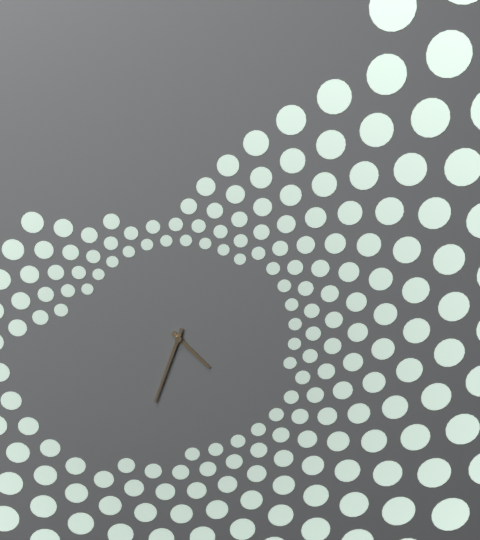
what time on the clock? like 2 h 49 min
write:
4 h 33 min
